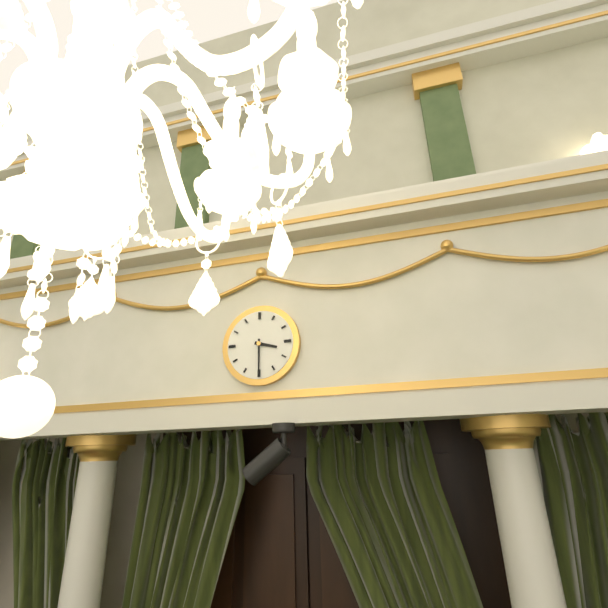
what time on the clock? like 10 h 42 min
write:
3 h 30 min
